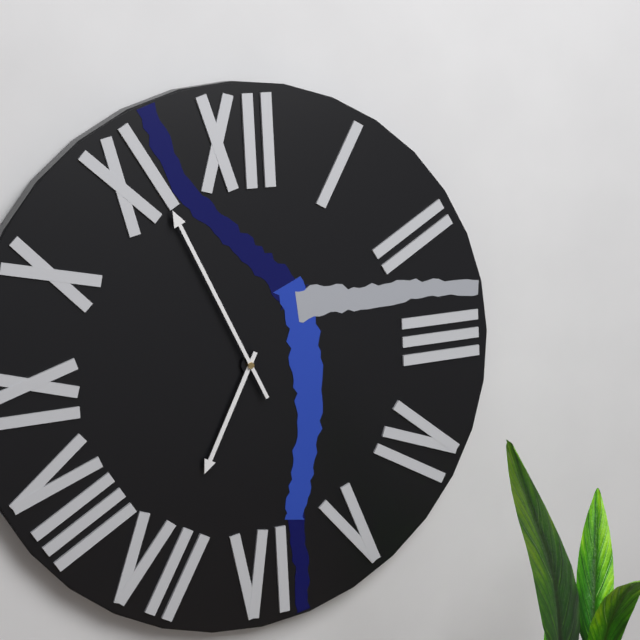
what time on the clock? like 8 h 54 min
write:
6 h 56 min
